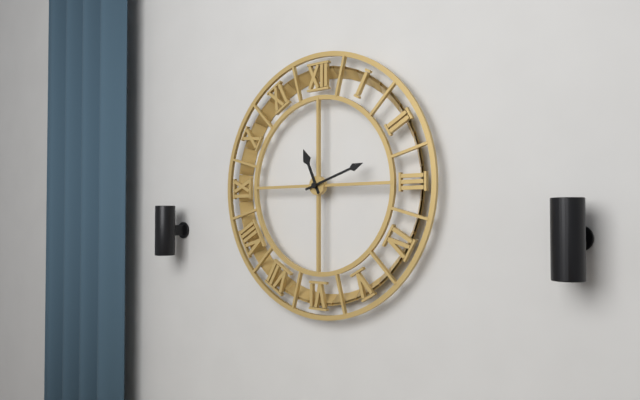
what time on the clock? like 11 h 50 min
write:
11 h 12 min
